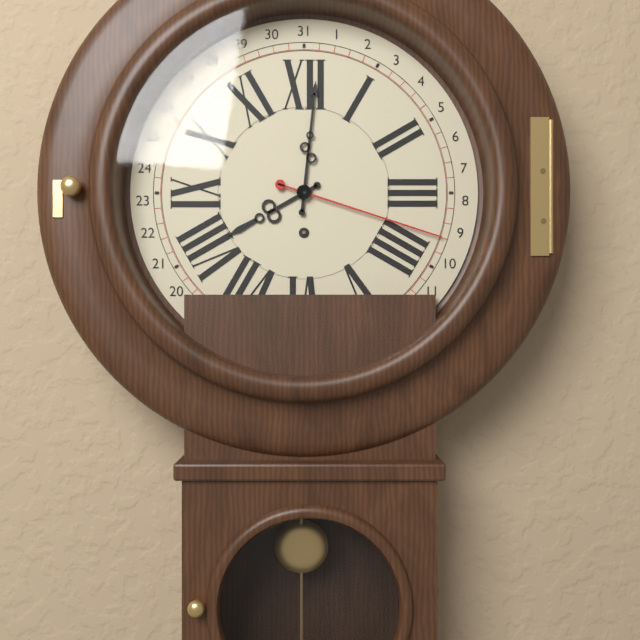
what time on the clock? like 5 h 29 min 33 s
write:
8 h 01 min 18 s
